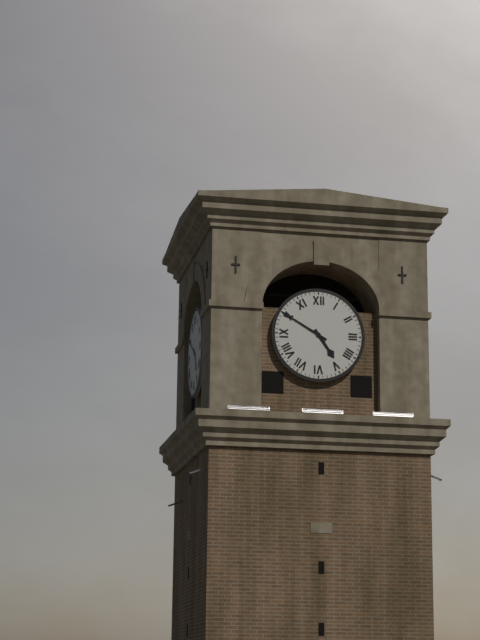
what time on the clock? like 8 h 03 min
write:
4 h 50 min
